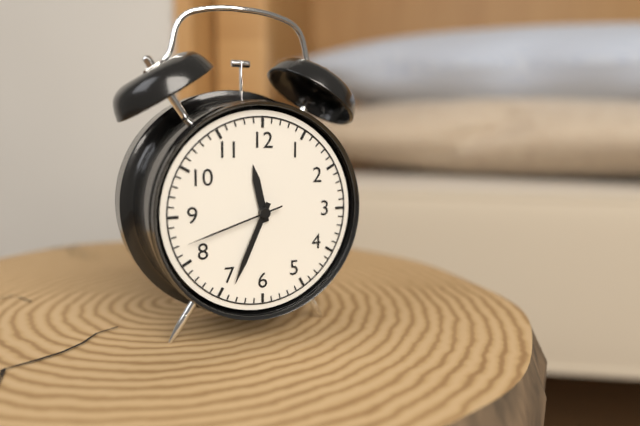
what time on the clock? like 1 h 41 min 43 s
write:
11 h 34 min 42 s
